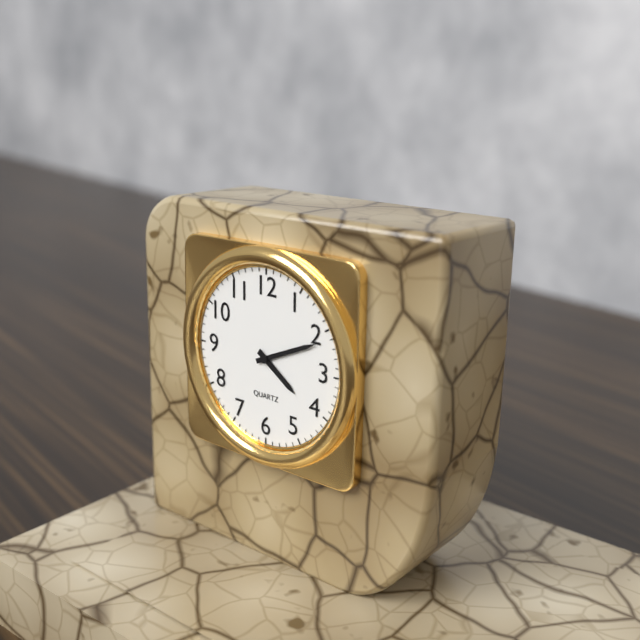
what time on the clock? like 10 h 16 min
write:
4 h 11 min
